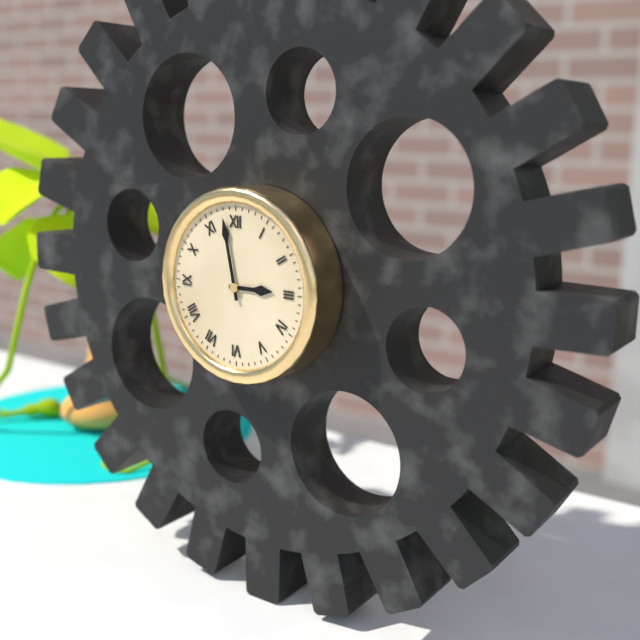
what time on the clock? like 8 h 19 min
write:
2 h 58 min
